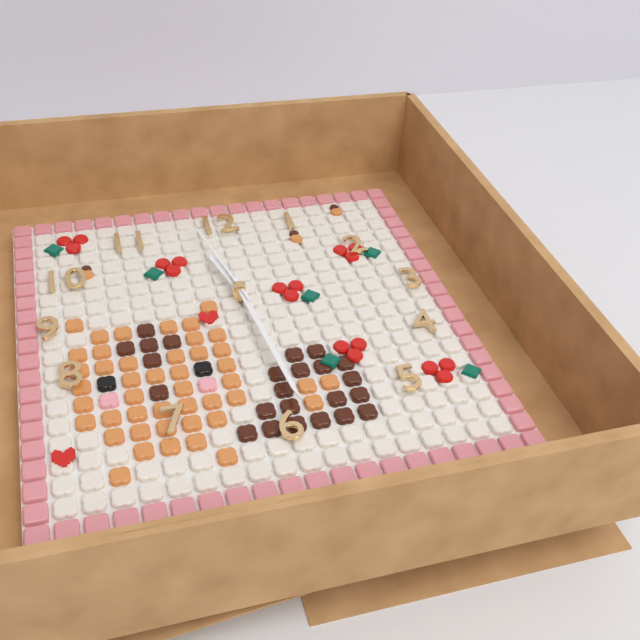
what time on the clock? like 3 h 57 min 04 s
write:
11 h 29 min 58 s
